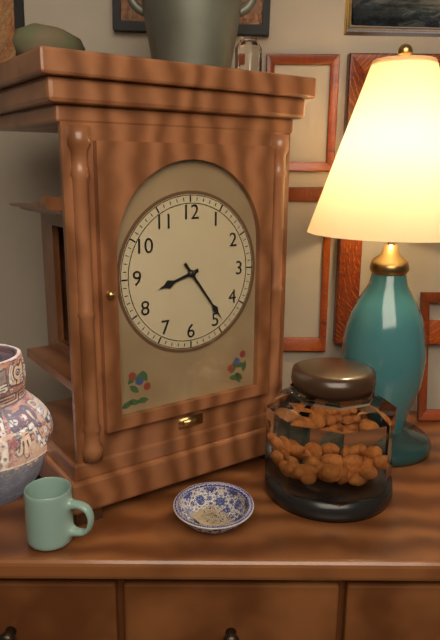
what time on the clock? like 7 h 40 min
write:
8 h 24 min
